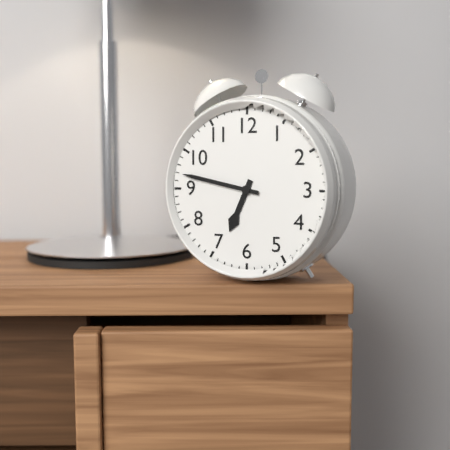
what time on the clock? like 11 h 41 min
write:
6 h 47 min
